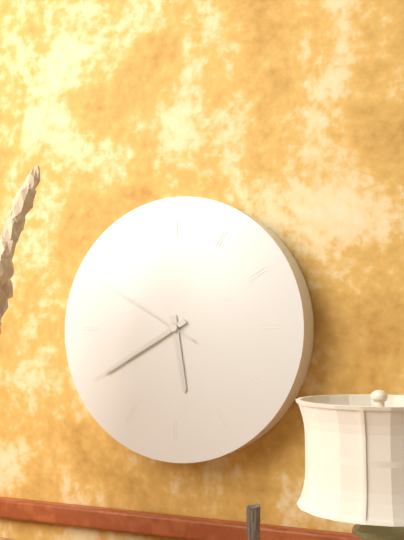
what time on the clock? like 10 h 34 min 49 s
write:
5 h 40 min 50 s
